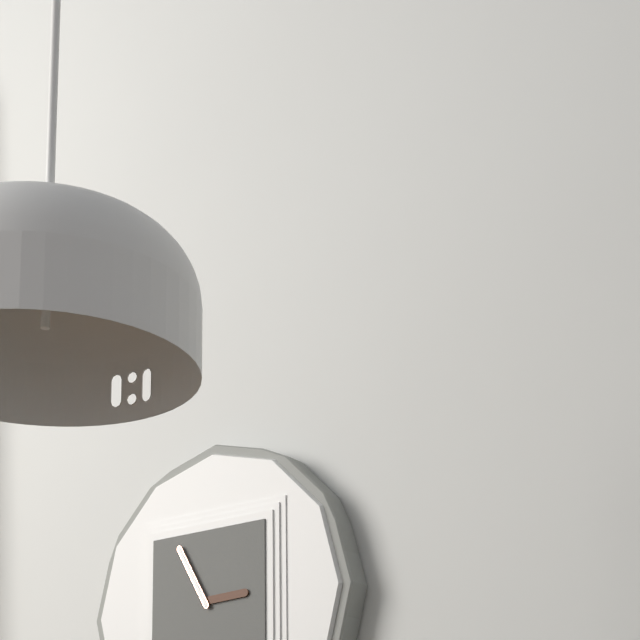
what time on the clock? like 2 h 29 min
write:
2 h 55 min
